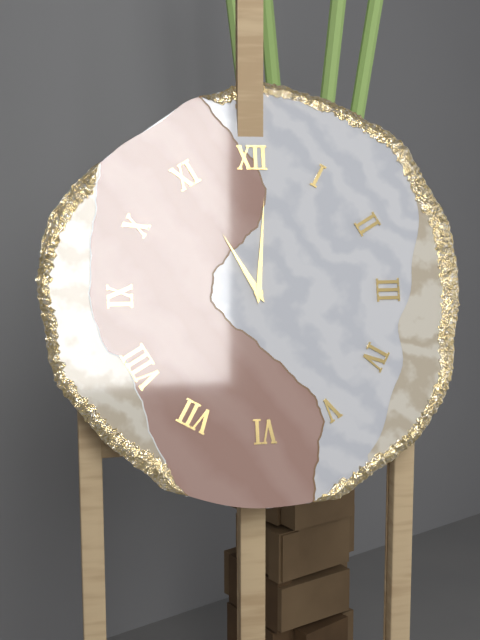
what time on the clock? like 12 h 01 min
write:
11 h 01 min
